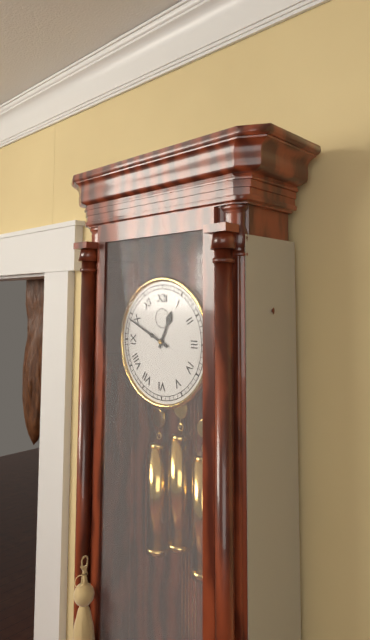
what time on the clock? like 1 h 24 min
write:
12 h 49 min
